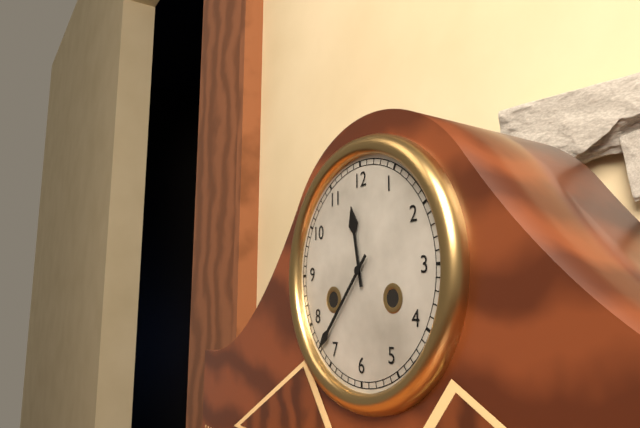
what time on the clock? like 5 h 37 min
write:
11 h 37 min
